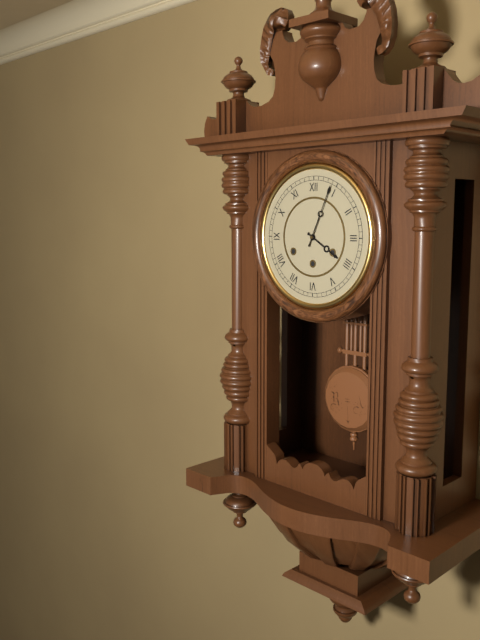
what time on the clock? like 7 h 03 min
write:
4 h 04 min
